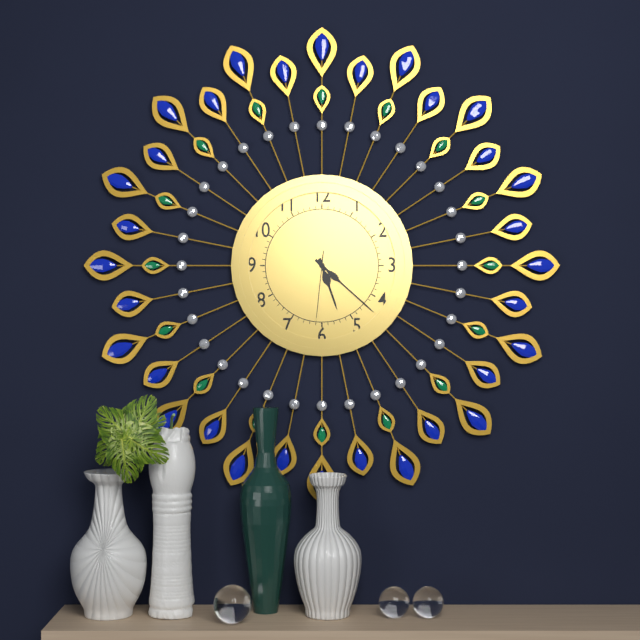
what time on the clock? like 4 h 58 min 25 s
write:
5 h 22 min 31 s
